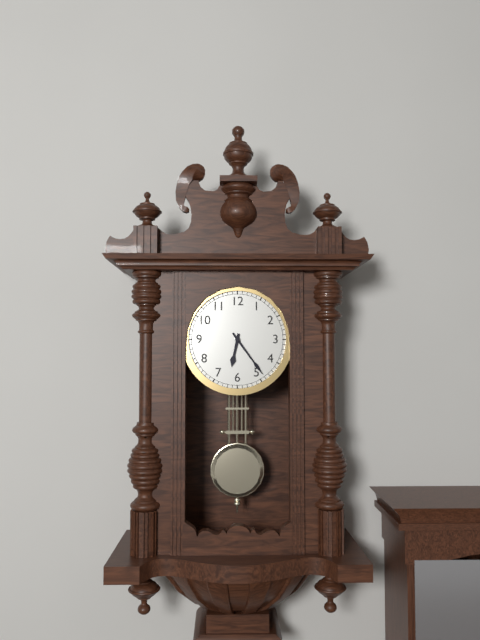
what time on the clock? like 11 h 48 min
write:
6 h 24 min
